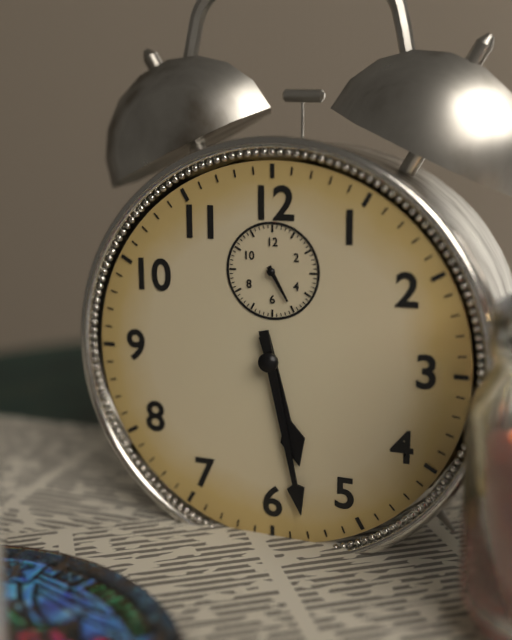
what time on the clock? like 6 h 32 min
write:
5 h 28 min
